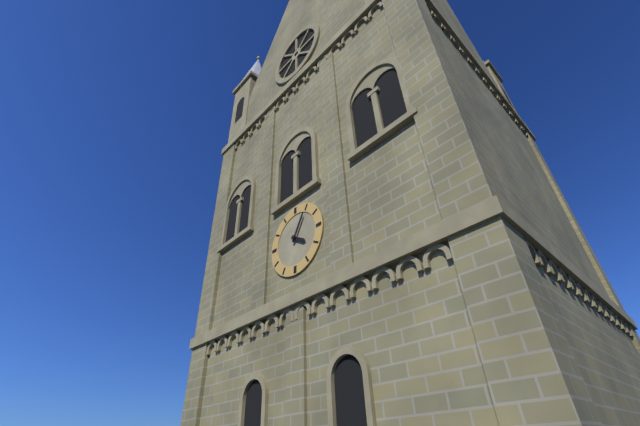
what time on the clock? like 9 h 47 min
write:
4 h 05 min
